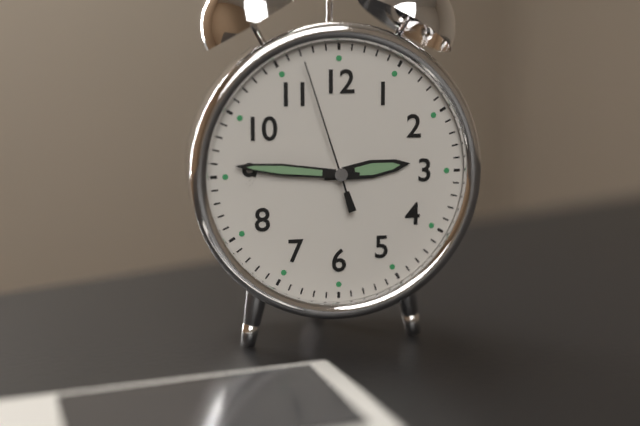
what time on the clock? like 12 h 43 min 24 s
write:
2 h 46 min 57 s
